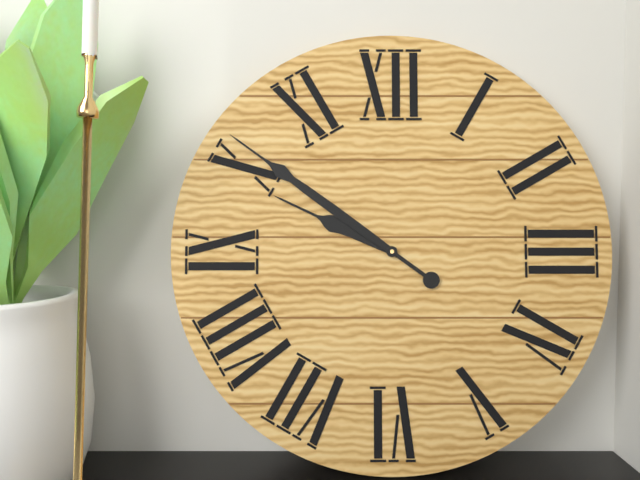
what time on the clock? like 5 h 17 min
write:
9 h 51 min
